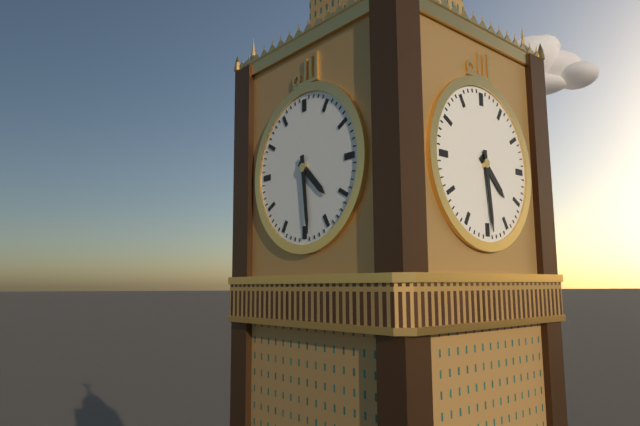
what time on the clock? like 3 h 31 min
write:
4 h 29 min
